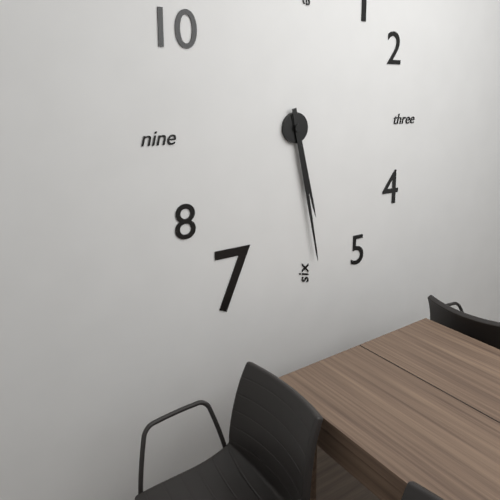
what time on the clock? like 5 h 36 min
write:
5 h 28 min
